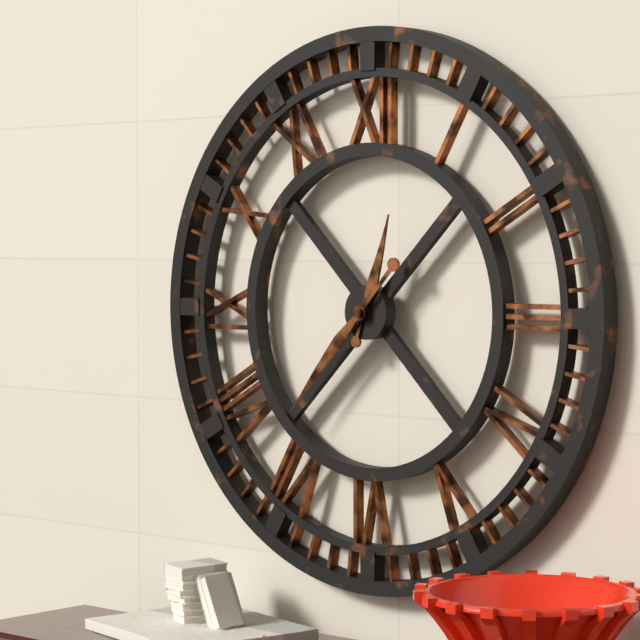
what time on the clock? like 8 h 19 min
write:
12 h 37 min
